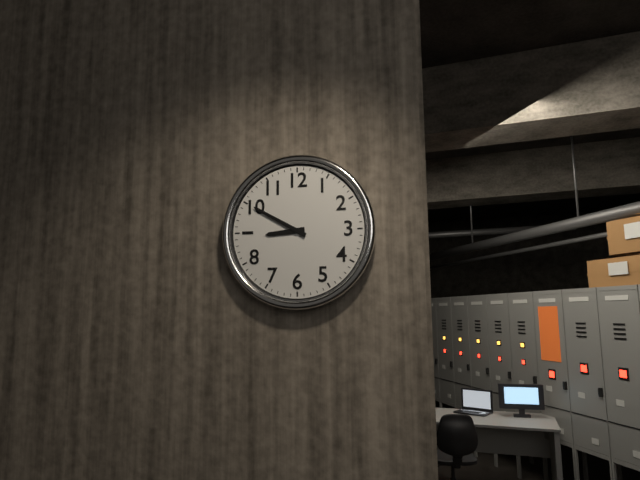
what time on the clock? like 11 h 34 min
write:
8 h 50 min
